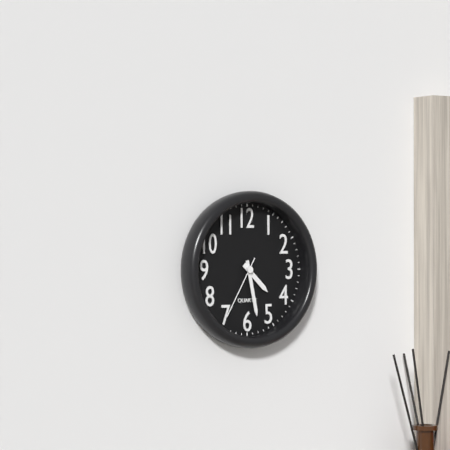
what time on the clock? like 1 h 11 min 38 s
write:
4 h 28 min 35 s
